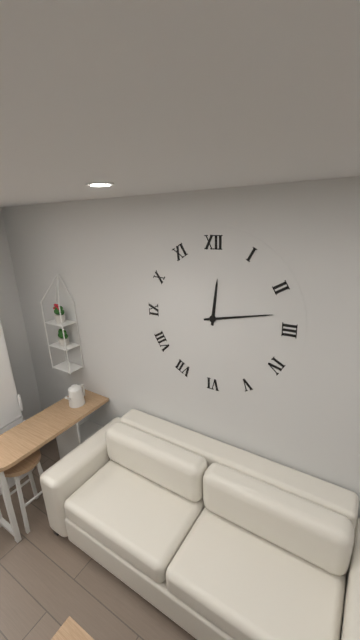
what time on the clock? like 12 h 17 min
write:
12 h 13 min
